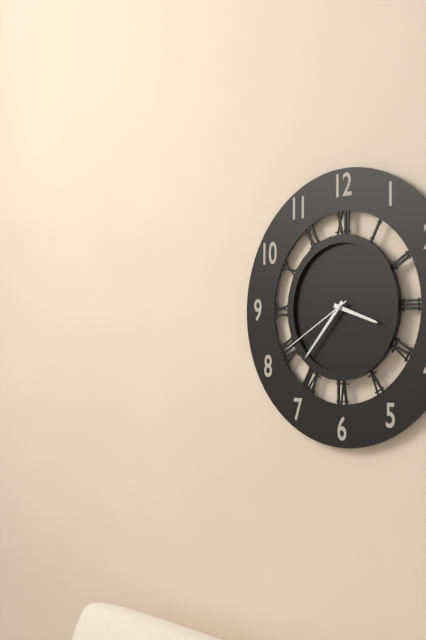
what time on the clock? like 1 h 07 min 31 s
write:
3 h 37 min 40 s
